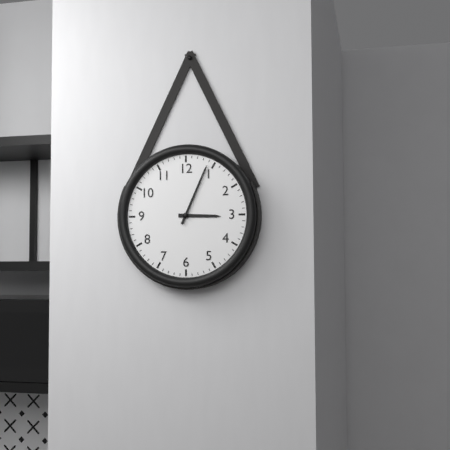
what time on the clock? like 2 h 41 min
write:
3 h 04 min
